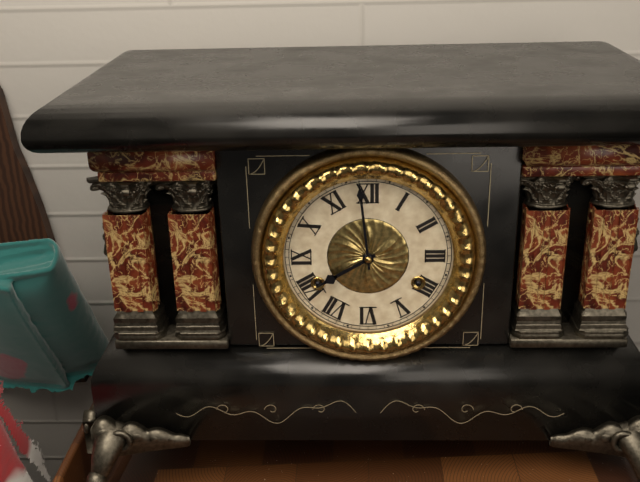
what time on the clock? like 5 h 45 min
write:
7 h 59 min
